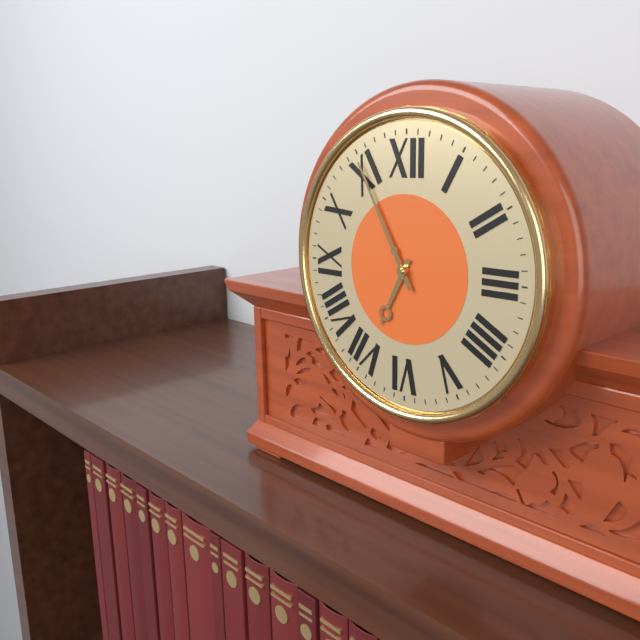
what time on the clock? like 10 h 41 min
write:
6 h 55 min
